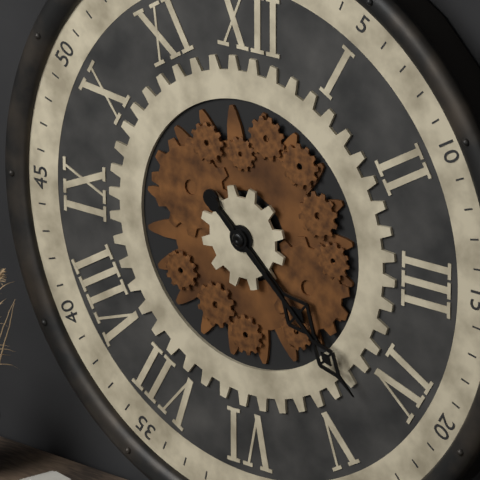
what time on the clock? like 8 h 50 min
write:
4 h 22 min
